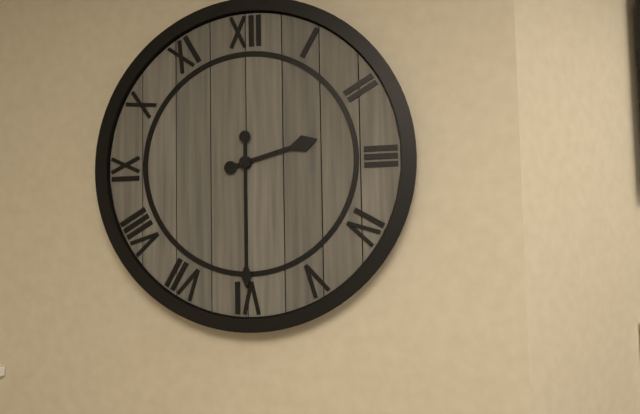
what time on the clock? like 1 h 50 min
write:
2 h 30 min
